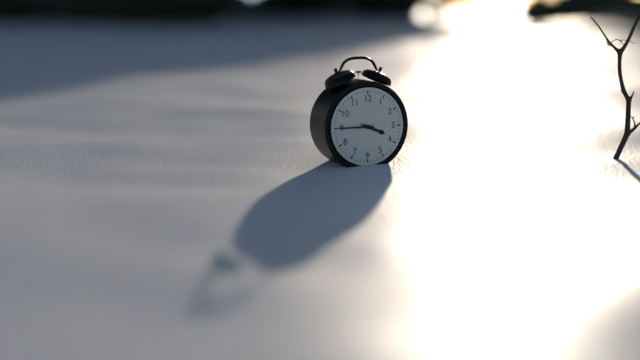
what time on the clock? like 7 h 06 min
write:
3 h 45 min
